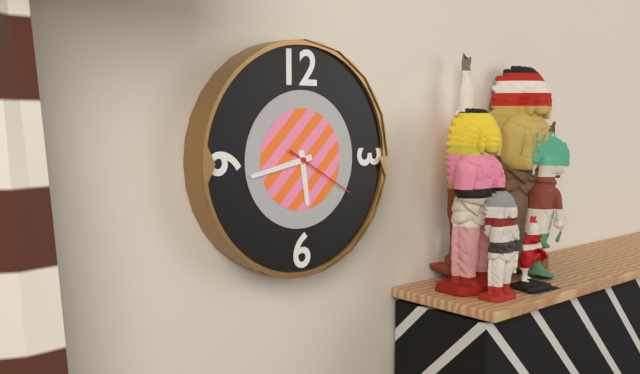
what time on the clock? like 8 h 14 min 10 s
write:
5 h 43 min 20 s
